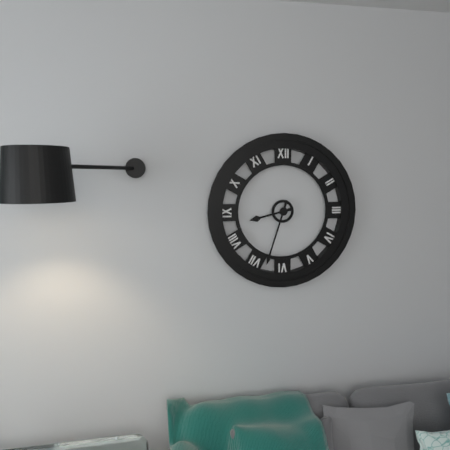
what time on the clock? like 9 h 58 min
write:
8 h 33 min
